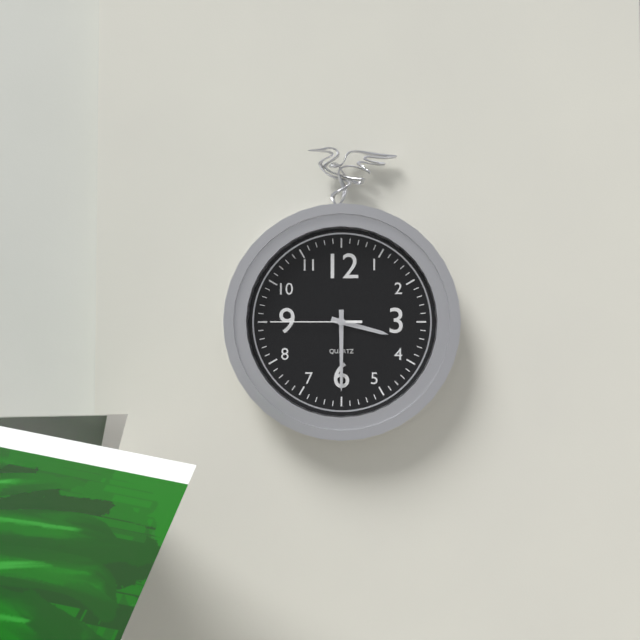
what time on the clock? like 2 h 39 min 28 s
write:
3 h 30 min 45 s
